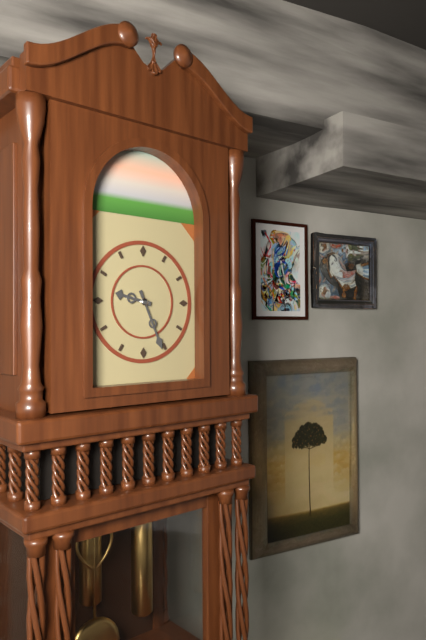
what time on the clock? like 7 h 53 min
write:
9 h 26 min
